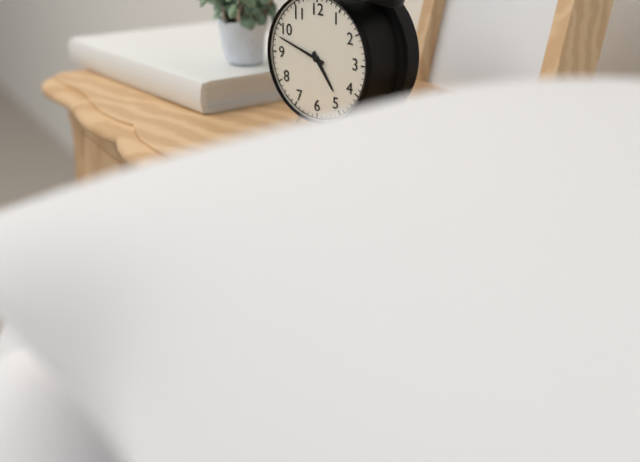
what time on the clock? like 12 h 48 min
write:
4 h 48 min
